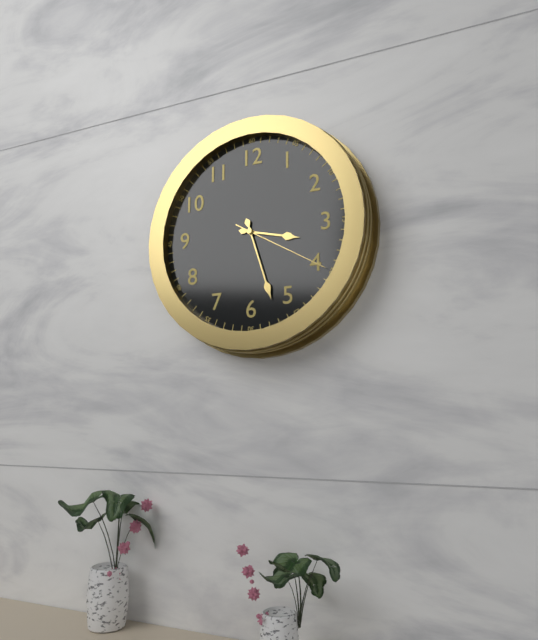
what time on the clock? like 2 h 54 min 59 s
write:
3 h 27 min 20 s
